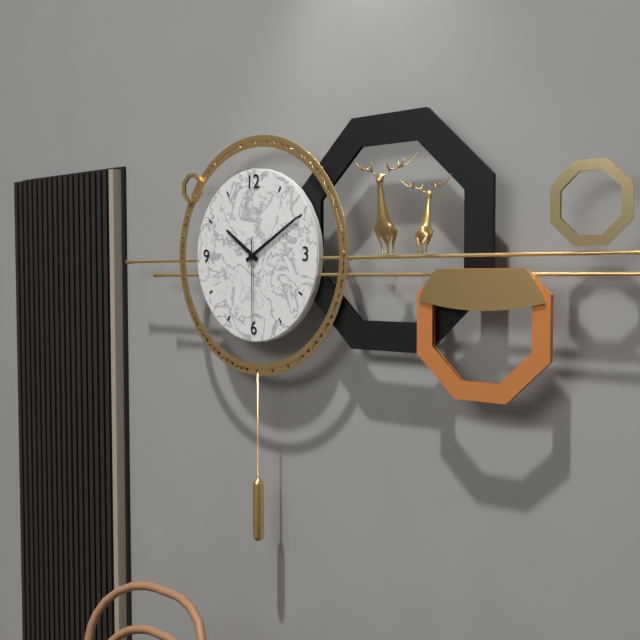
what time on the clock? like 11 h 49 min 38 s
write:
10 h 10 min 30 s
